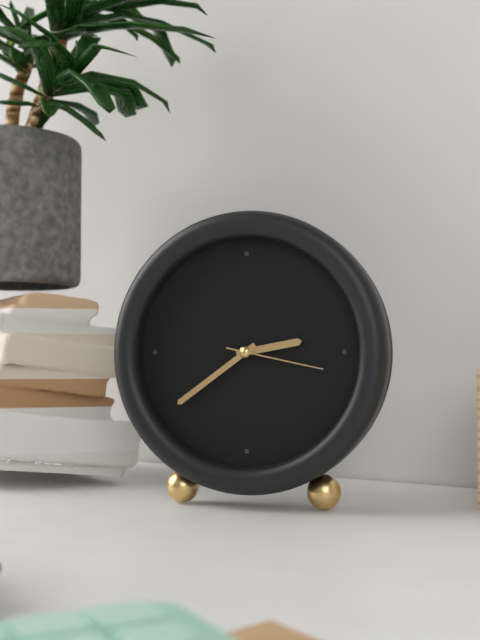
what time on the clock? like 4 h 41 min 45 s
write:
2 h 39 min 17 s
